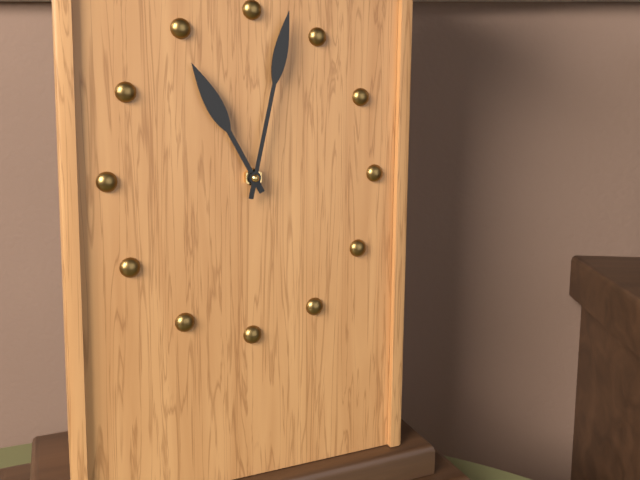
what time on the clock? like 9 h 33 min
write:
11 h 02 min
